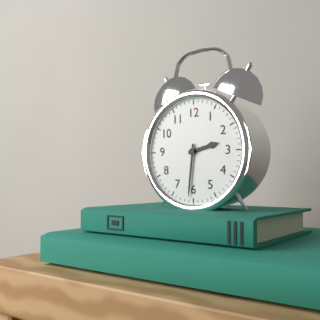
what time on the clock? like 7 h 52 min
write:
2 h 31 min
